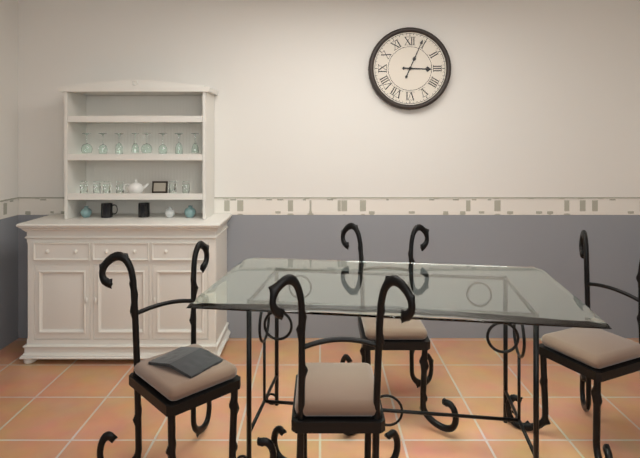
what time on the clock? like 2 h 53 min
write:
3 h 04 min
